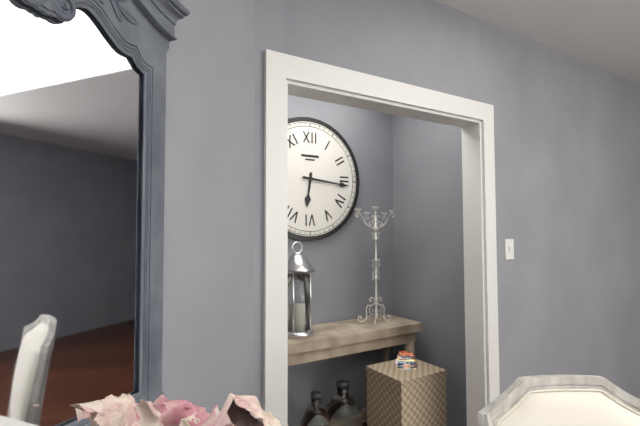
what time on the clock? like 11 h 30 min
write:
6 h 16 min
